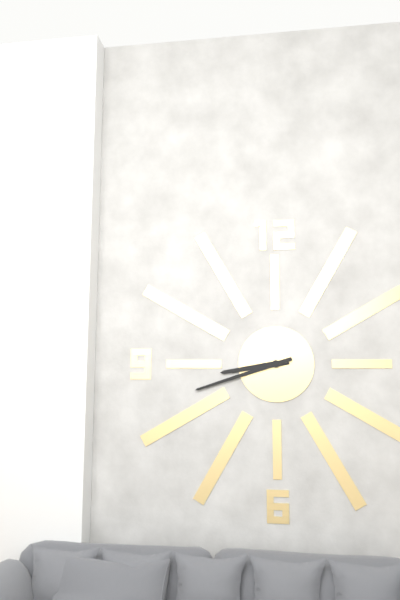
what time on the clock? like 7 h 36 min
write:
8 h 42 min
